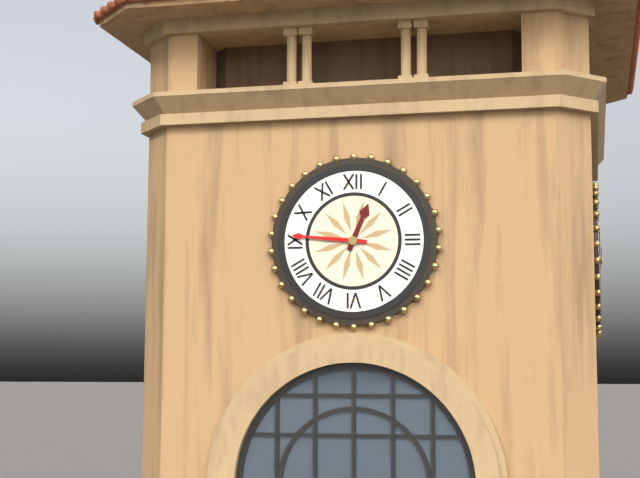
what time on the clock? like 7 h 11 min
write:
12 h 46 min
